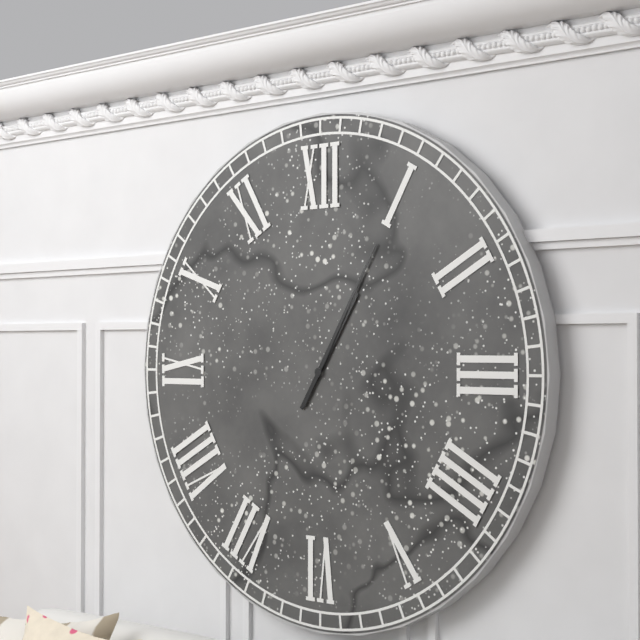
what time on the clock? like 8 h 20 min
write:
1 h 05 min
